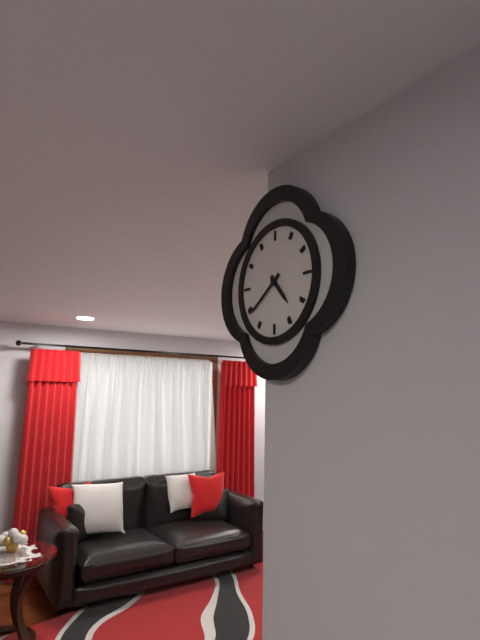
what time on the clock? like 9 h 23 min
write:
4 h 39 min
